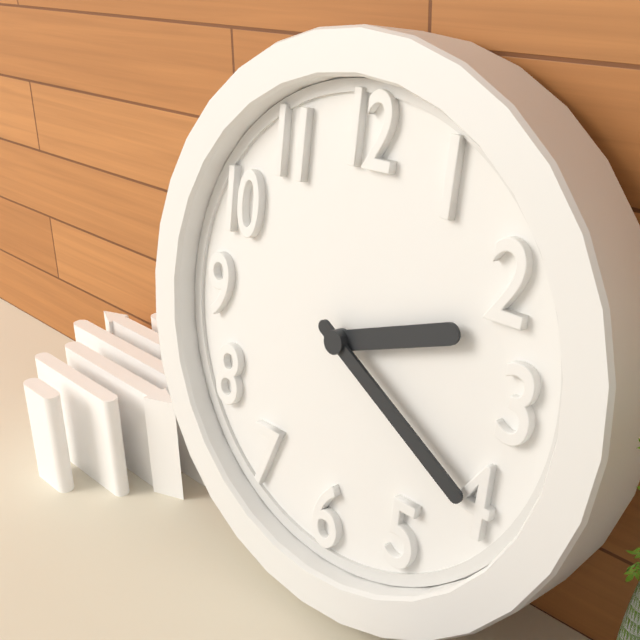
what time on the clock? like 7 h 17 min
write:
2 h 20 min
